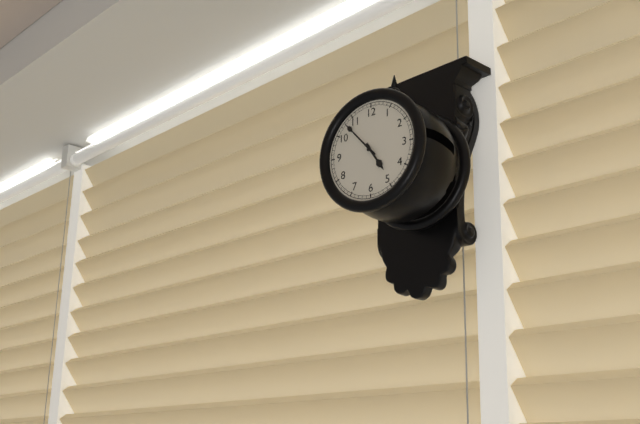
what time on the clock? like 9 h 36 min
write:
4 h 53 min
